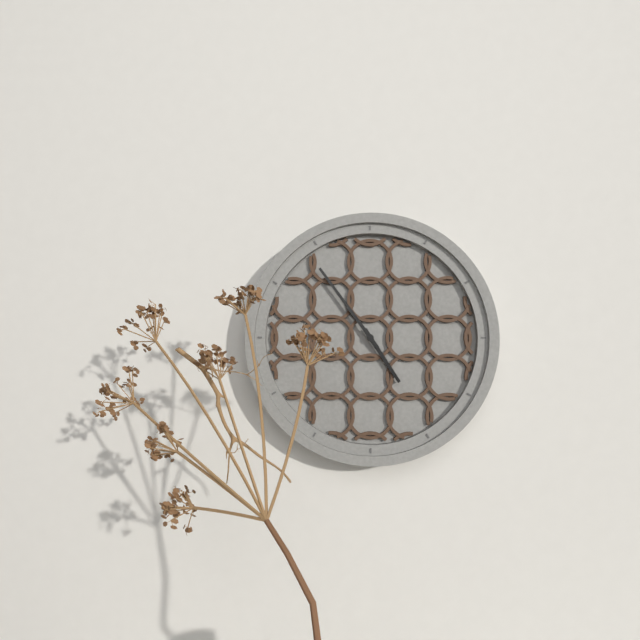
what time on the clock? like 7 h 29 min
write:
4 h 54 min
